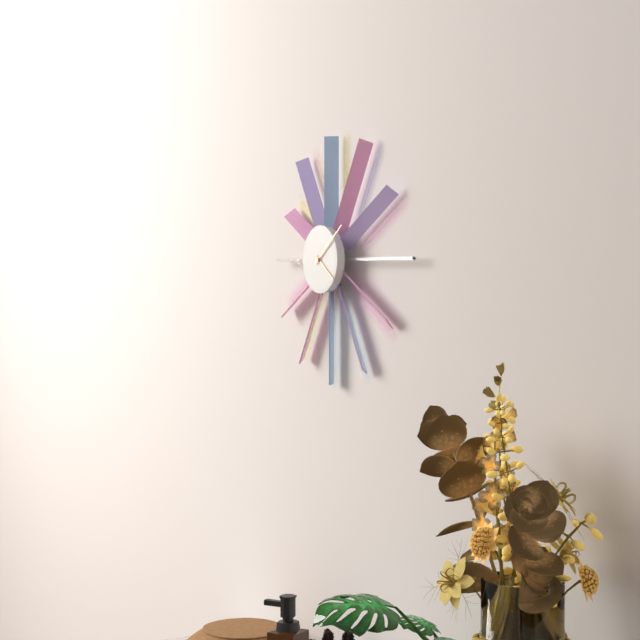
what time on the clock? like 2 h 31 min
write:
4 h 09 min
